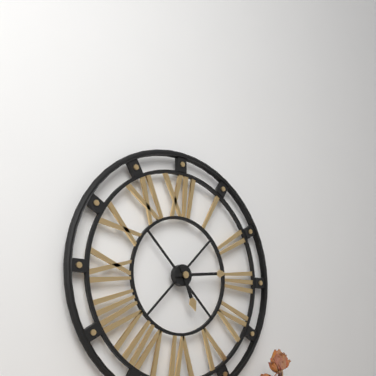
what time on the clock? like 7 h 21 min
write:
5 h 14 min
